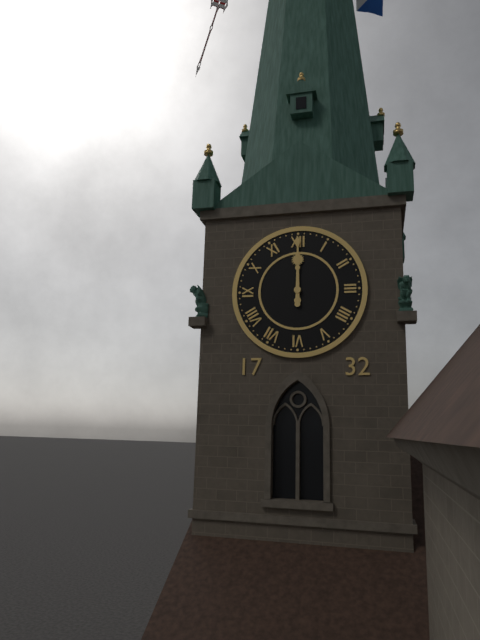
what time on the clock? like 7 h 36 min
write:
12 h 00 min
